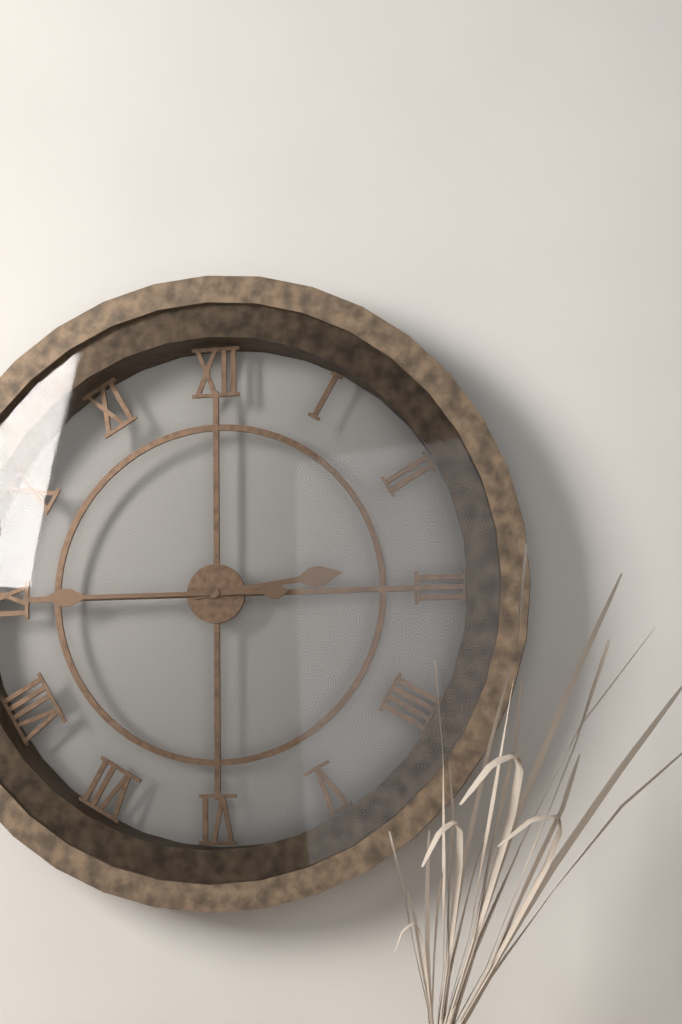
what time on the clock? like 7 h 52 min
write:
2 h 45 min
